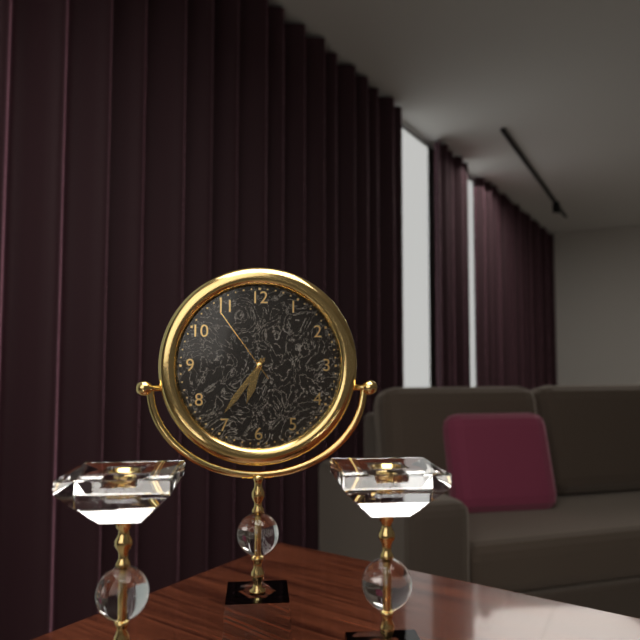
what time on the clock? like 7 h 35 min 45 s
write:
6 h 36 min 54 s
